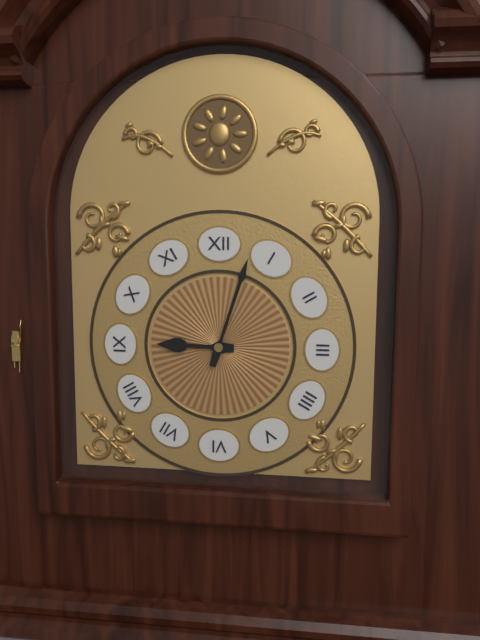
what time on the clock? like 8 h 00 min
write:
9 h 03 min
